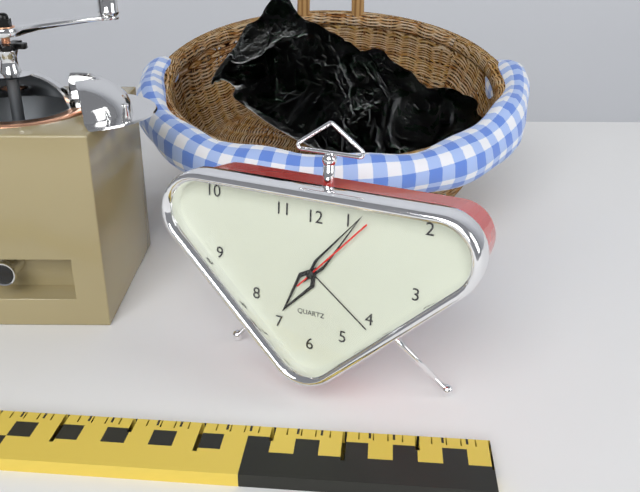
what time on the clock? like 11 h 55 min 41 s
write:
7 h 06 min 07 s
